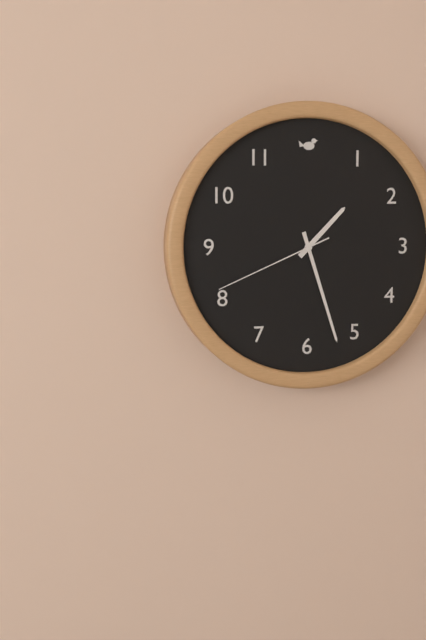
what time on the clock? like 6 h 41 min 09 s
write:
1 h 27 min 41 s
